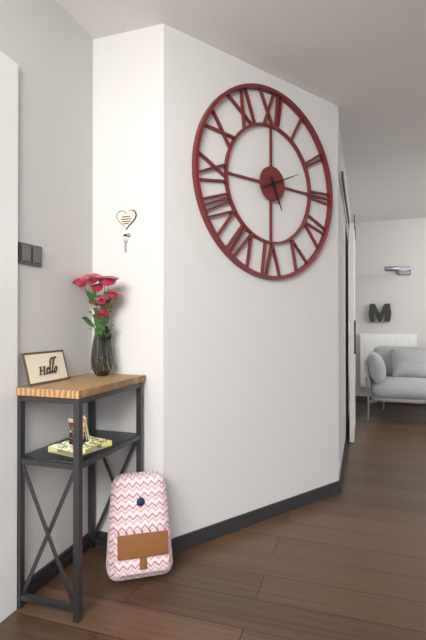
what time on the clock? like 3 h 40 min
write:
5 h 11 min
